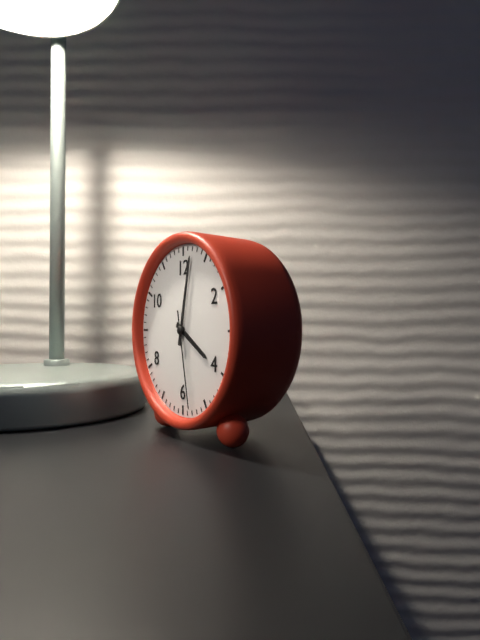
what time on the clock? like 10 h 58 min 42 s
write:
4 h 02 min 28 s
